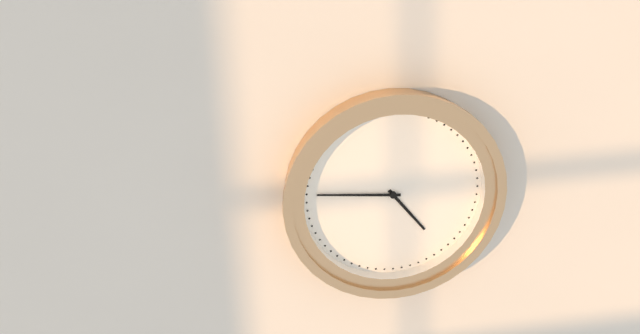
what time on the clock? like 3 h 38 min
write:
4 h 46 min
